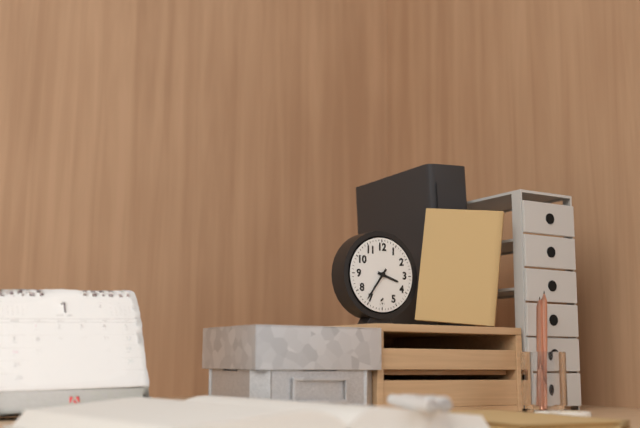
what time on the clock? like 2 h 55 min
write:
3 h 36 min
